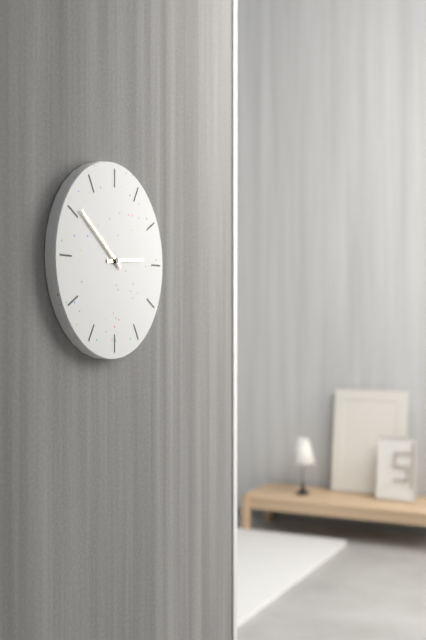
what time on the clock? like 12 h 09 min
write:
2 h 51 min
